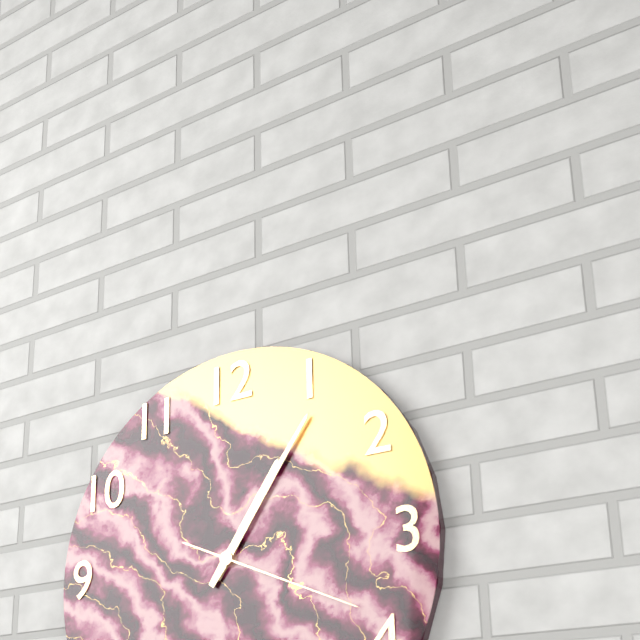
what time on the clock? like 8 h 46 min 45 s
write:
1 h 06 min 19 s
